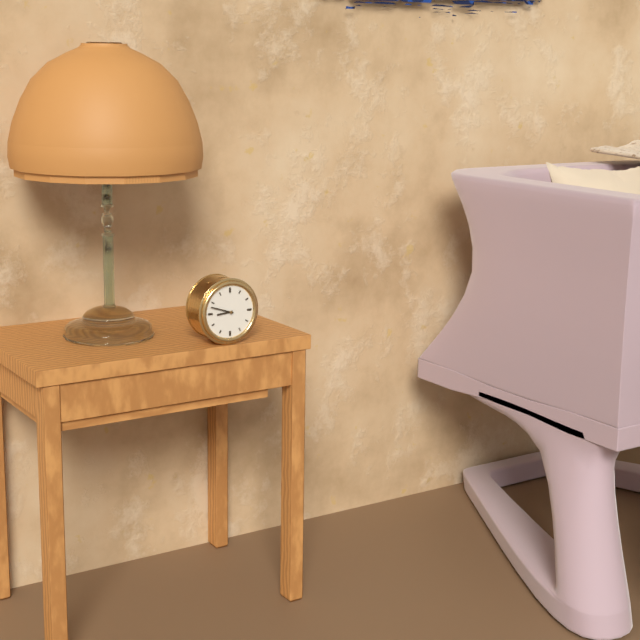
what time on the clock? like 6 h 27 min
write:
8 h 48 min
